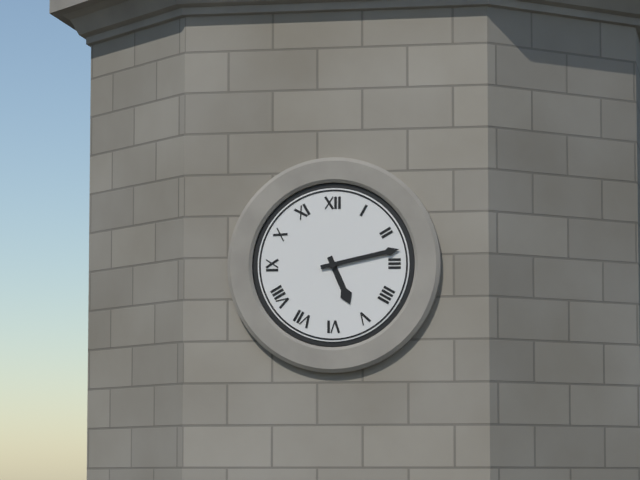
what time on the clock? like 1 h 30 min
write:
5 h 13 min
